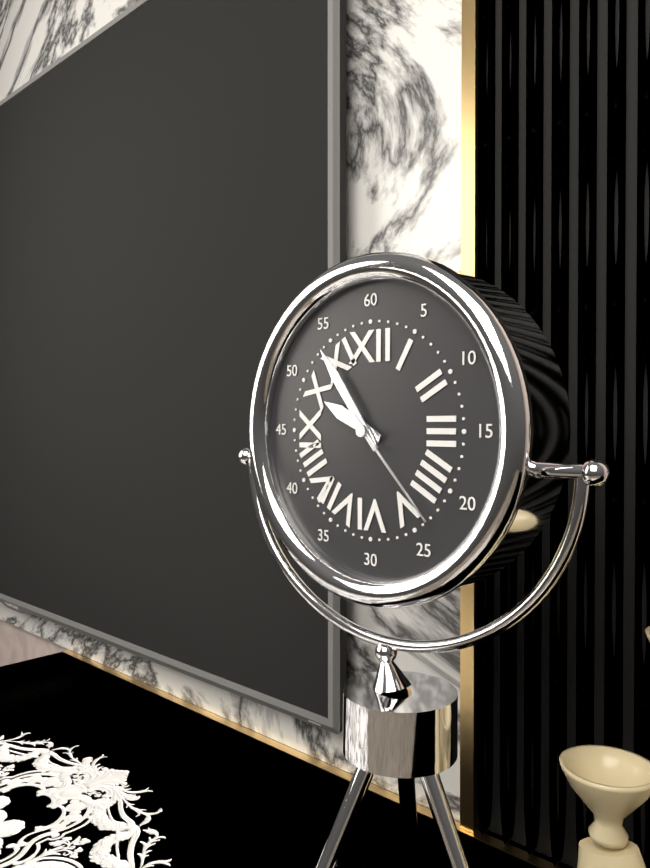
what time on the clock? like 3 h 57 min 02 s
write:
9 h 54 min 23 s
